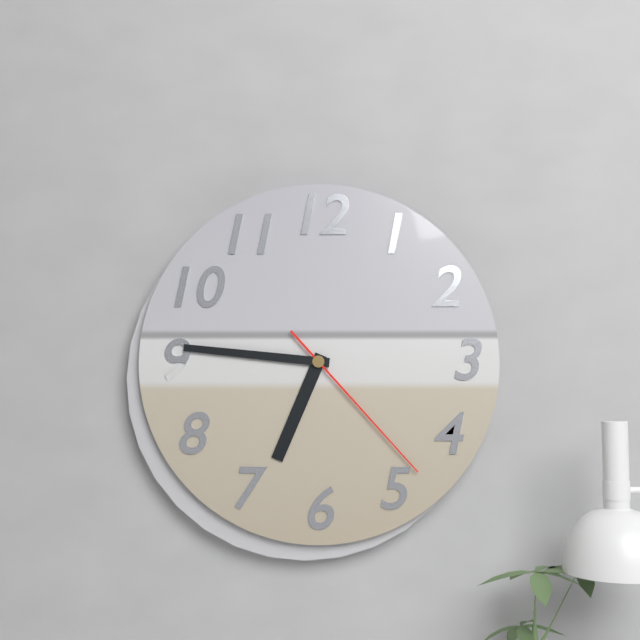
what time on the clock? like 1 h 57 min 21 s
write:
6 h 46 min 23 s
